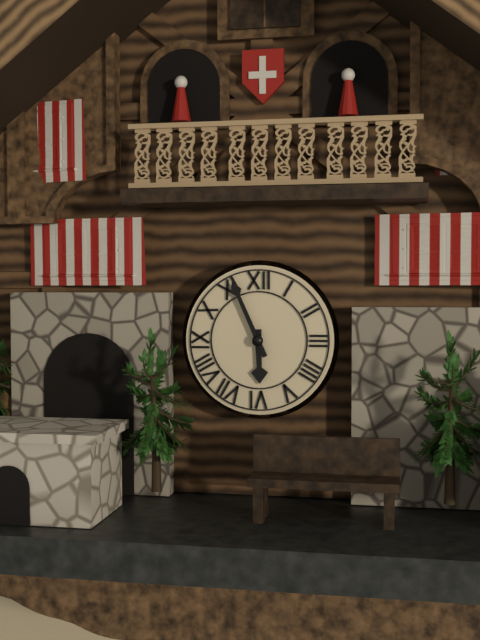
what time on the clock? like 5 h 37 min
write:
5 h 56 min
